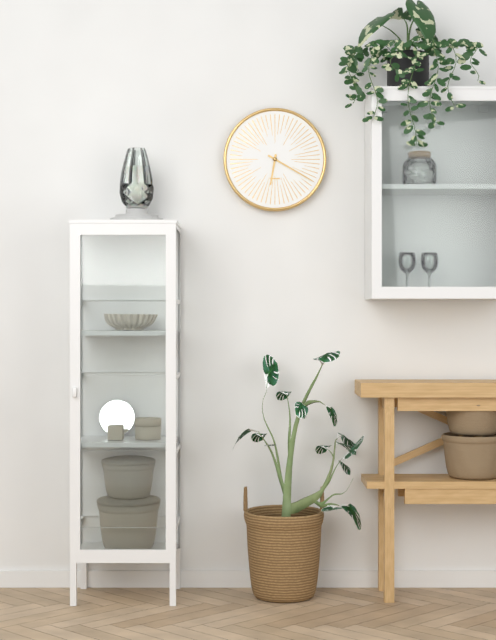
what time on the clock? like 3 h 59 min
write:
6 h 20 min
